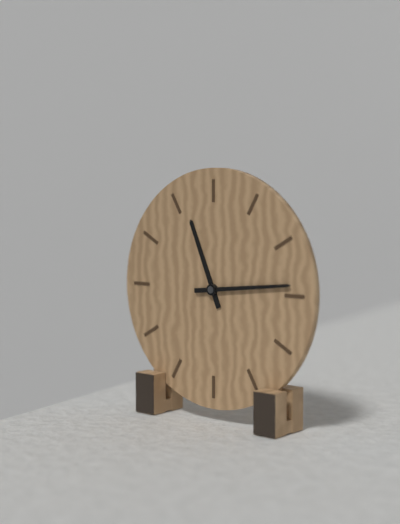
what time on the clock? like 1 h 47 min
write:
11 h 14 min
